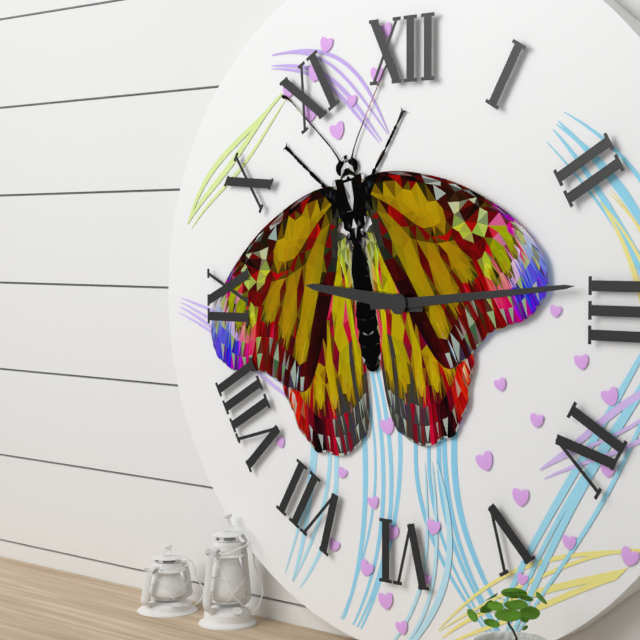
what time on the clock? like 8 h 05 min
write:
9 h 14 min
